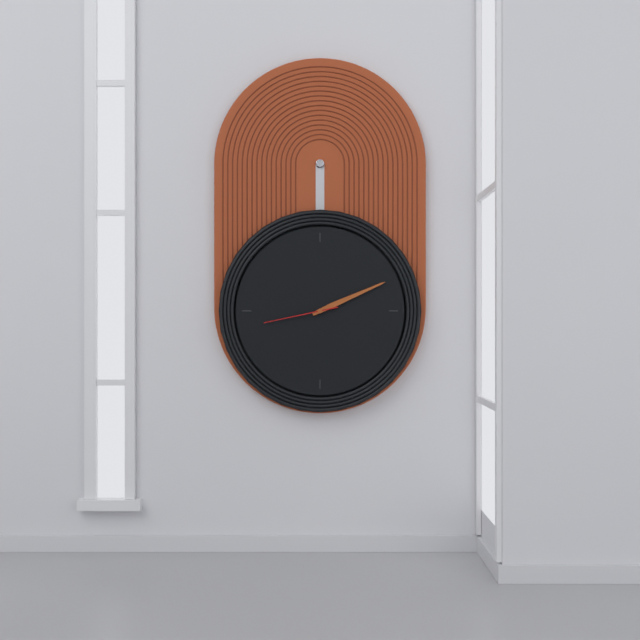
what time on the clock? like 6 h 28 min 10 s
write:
2 h 11 min 43 s
